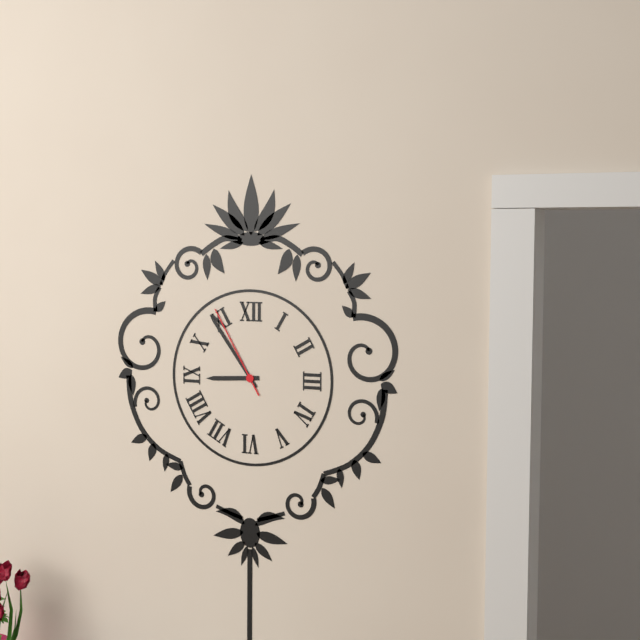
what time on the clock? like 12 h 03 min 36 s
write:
8 h 54 min 55 s
